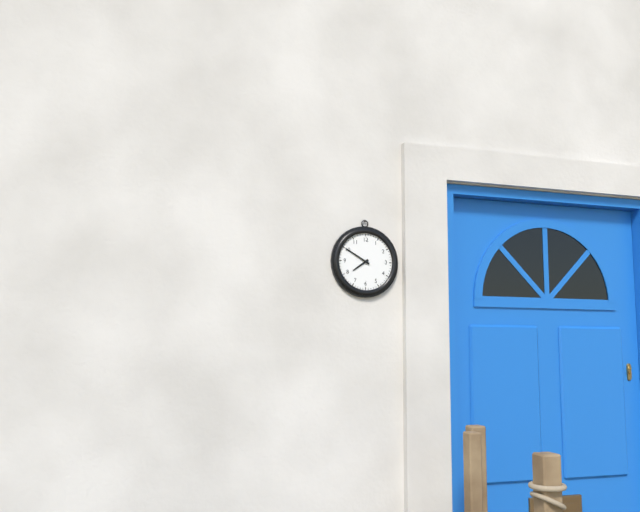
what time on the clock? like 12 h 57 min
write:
7 h 50 min
